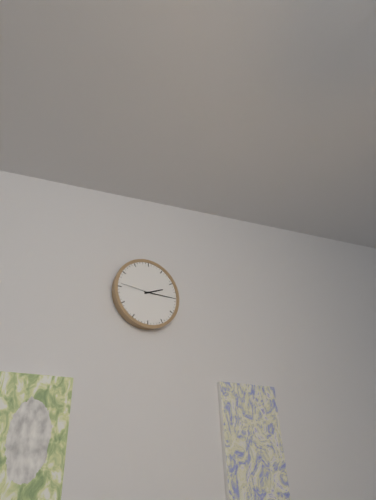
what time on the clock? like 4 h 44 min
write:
2 h 15 min
